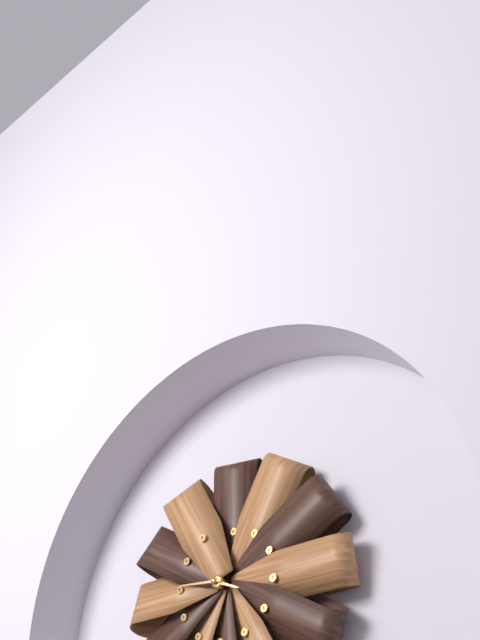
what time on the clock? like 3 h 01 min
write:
3 h 46 min
